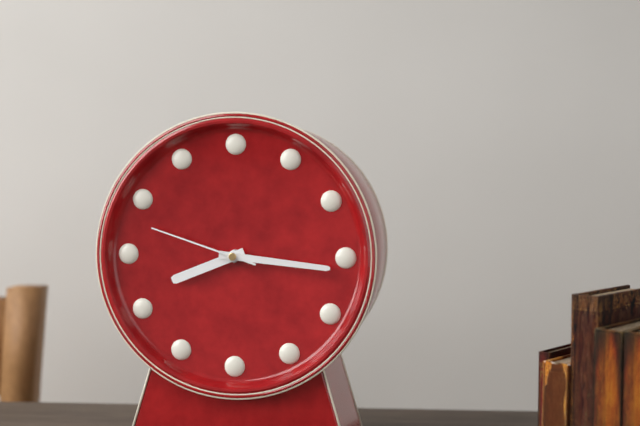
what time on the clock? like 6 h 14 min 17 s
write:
8 h 16 min 48 s
